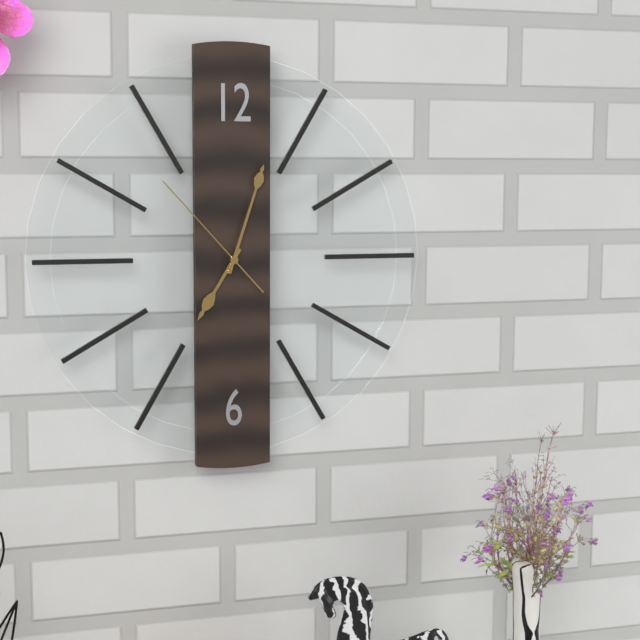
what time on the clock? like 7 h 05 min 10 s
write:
7 h 03 min 53 s
